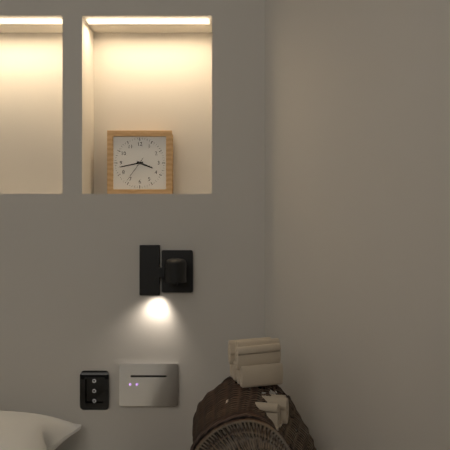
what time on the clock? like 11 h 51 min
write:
3 h 43 min
